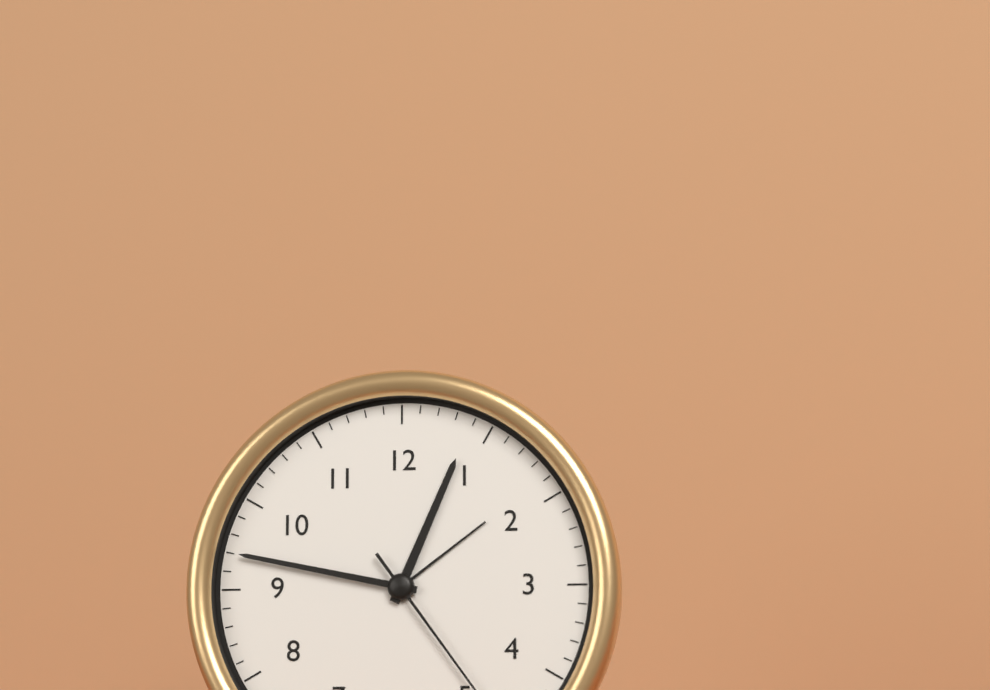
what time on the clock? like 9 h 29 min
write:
12 h 47 min
